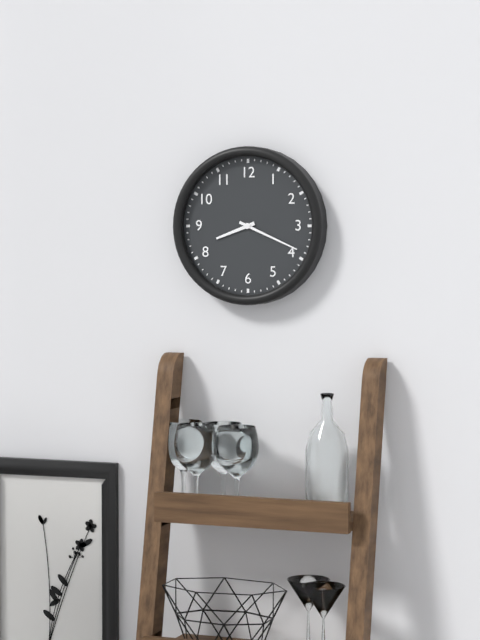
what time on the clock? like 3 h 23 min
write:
8 h 19 min
